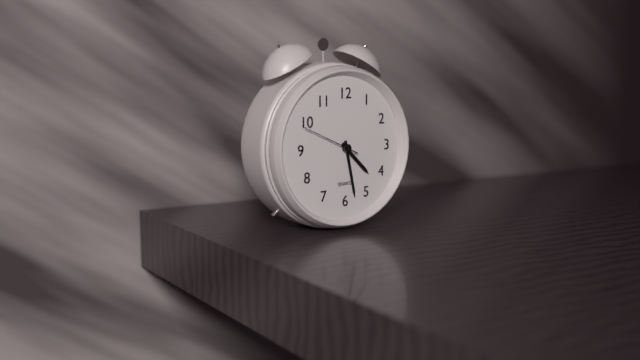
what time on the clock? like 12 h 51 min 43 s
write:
4 h 28 min 49 s
